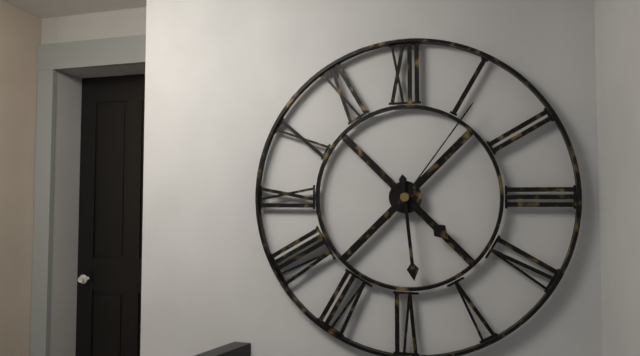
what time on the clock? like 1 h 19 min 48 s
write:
4 h 29 min 06 s
